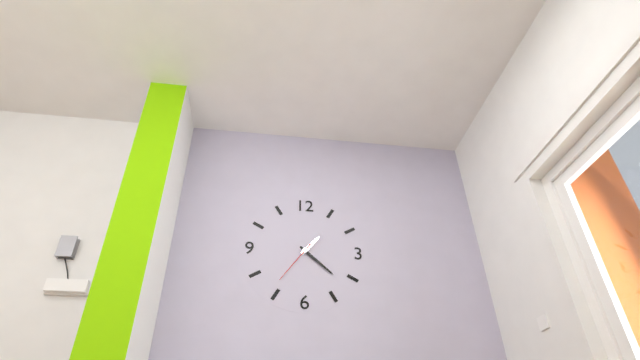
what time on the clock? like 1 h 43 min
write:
1 h 22 min
